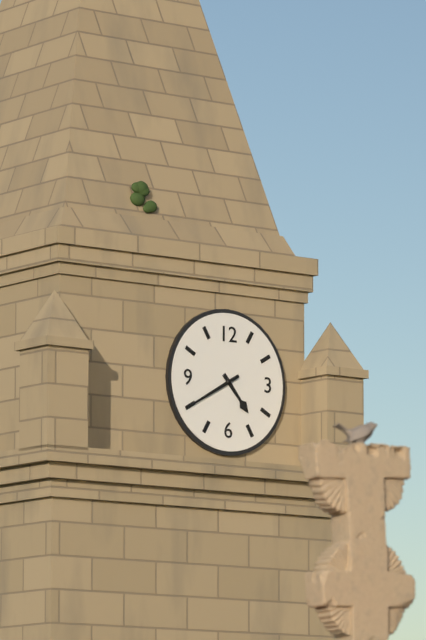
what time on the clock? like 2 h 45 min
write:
4 h 40 min
